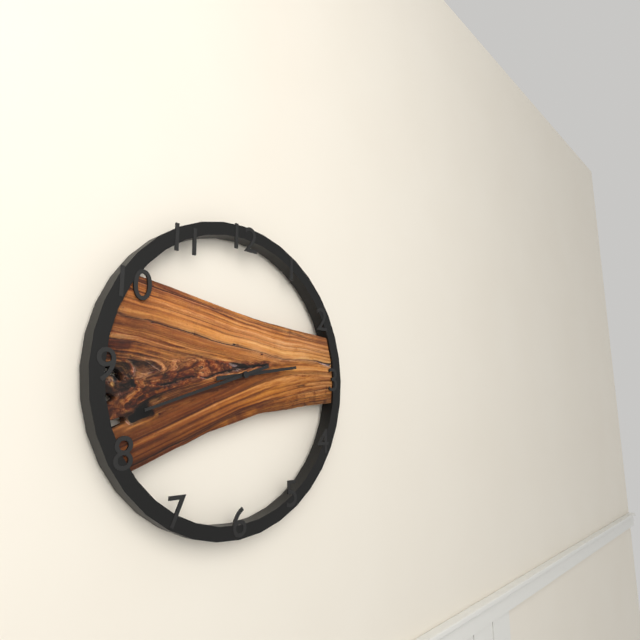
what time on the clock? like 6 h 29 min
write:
2 h 42 min
